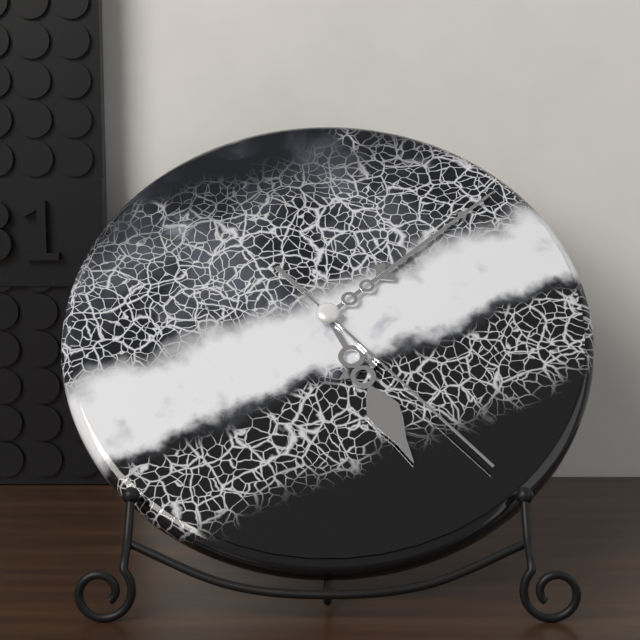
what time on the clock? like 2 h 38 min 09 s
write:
5 h 08 min 23 s
